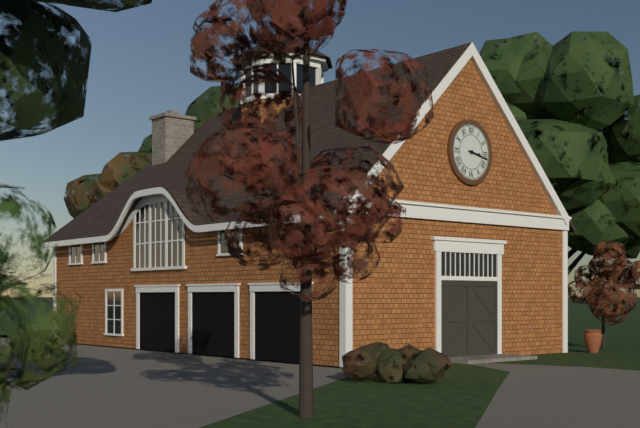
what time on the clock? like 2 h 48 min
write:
3 h 17 min
